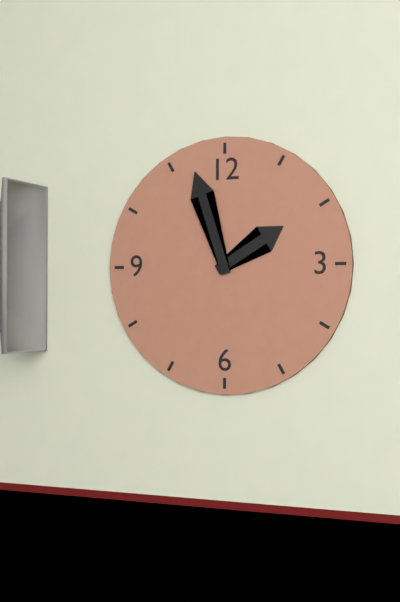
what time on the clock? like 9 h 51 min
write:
1 h 57 min
